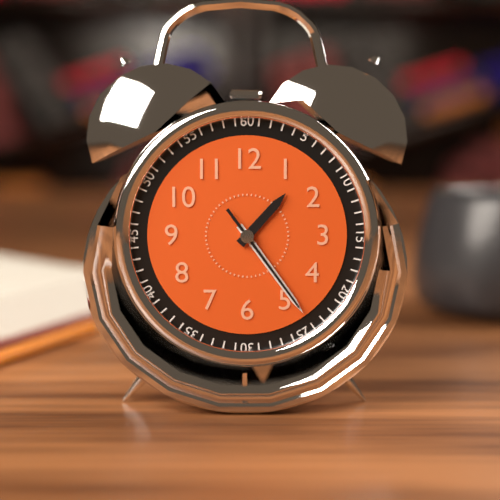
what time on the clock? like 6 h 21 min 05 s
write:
1 h 24 min 24 s
